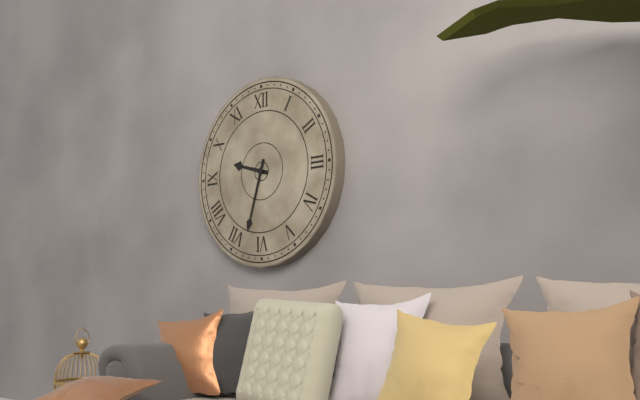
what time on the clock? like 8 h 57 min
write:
9 h 33 min
